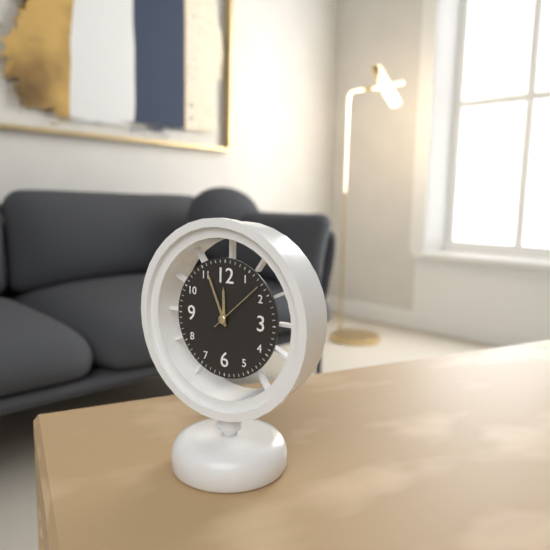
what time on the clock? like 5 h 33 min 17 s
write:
11 h 56 min 08 s
